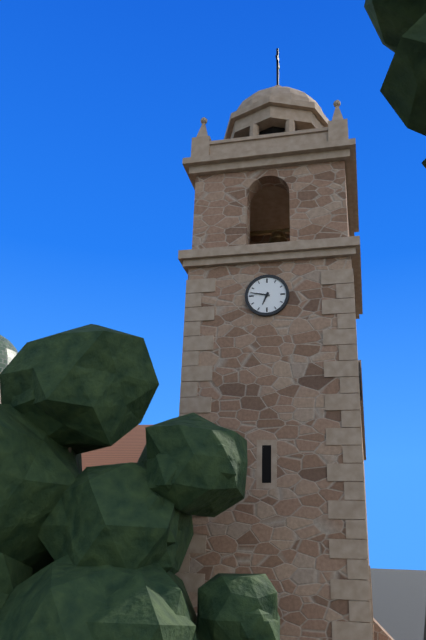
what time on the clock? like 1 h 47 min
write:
6 h 47 min
